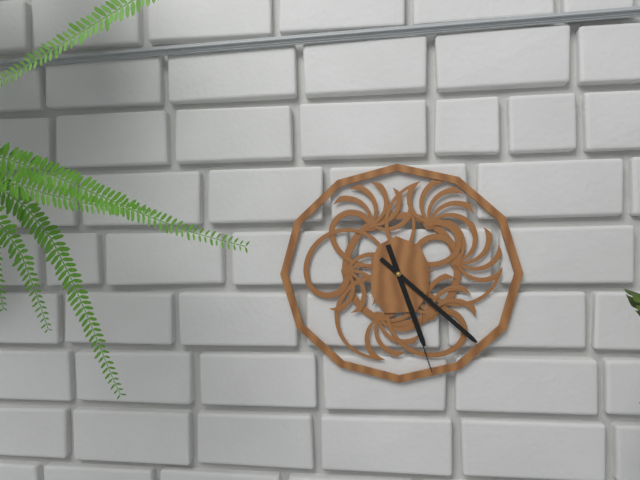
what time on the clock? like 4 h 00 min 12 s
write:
5 h 22 min 27 s
